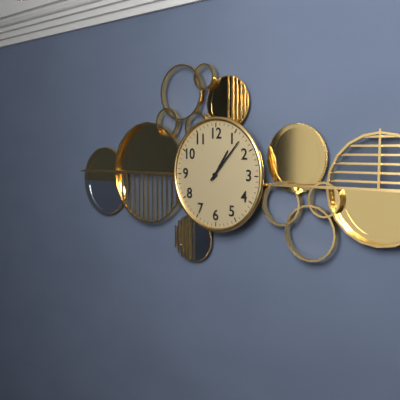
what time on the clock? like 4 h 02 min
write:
1 h 07 min
